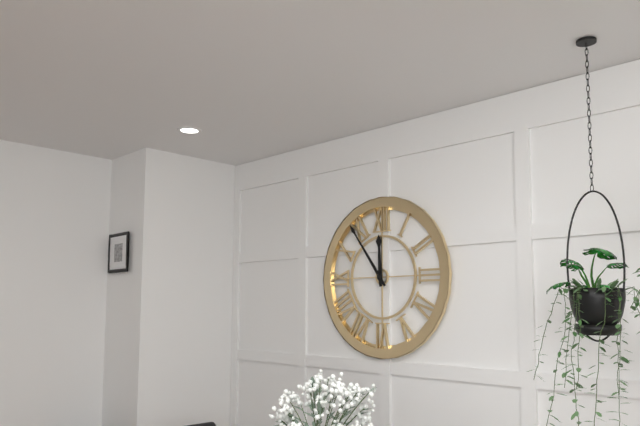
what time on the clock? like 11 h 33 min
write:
11 h 54 min
